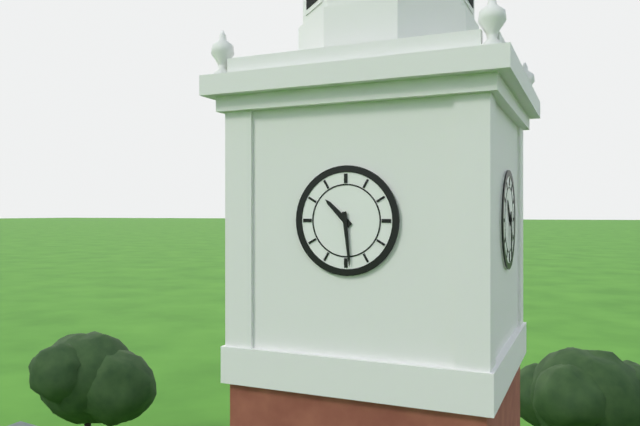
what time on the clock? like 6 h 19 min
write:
10 h 29 min
